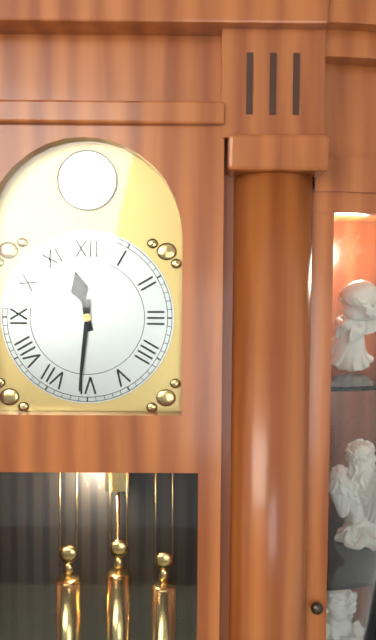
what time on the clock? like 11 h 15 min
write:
11 h 31 min
